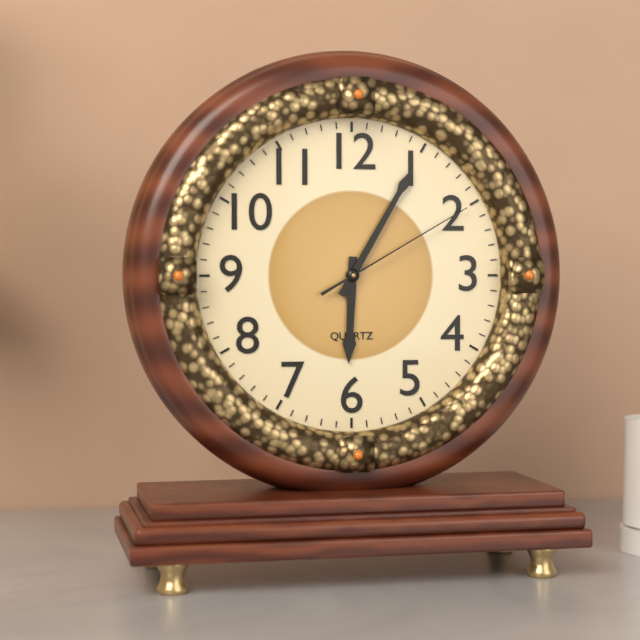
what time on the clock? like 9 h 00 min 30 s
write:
6 h 05 min 10 s
